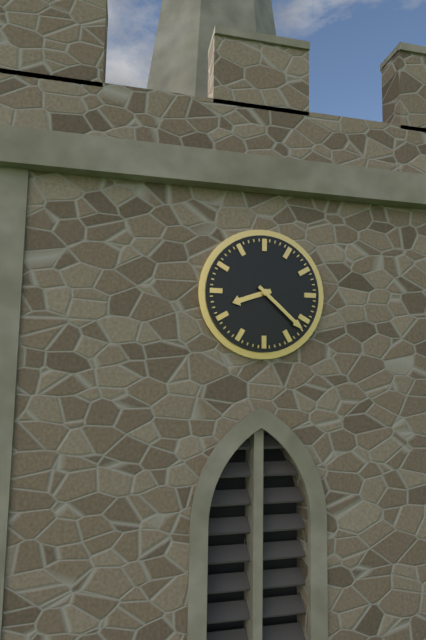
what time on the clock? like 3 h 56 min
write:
8 h 22 min
